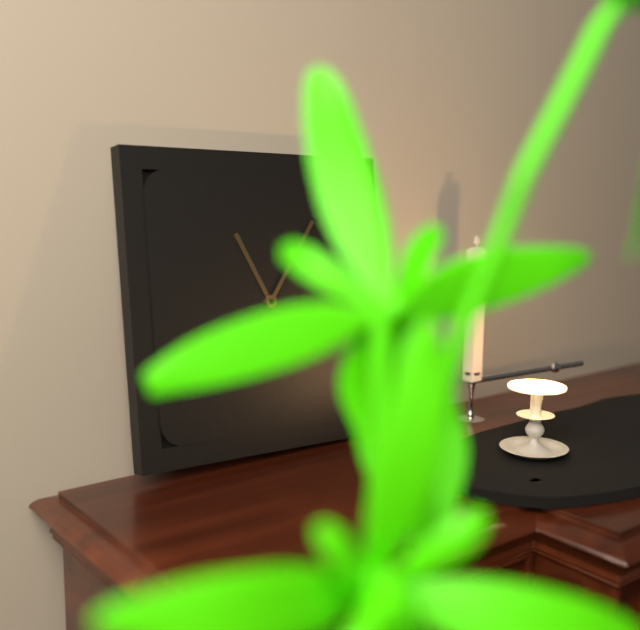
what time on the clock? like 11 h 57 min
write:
11 h 06 min
